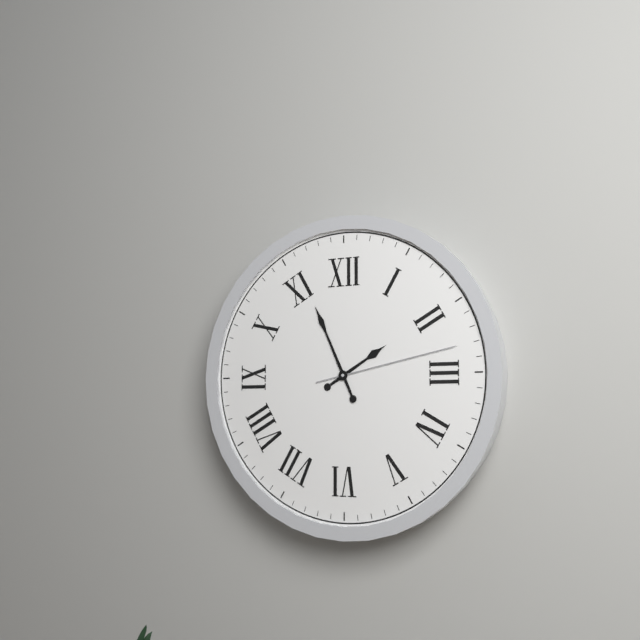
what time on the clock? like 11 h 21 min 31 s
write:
1 h 56 min 13 s
